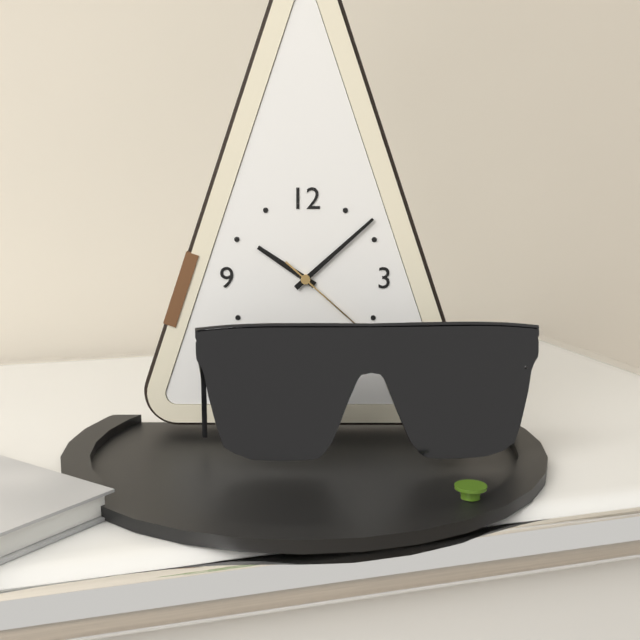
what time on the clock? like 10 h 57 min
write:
10 h 08 min
